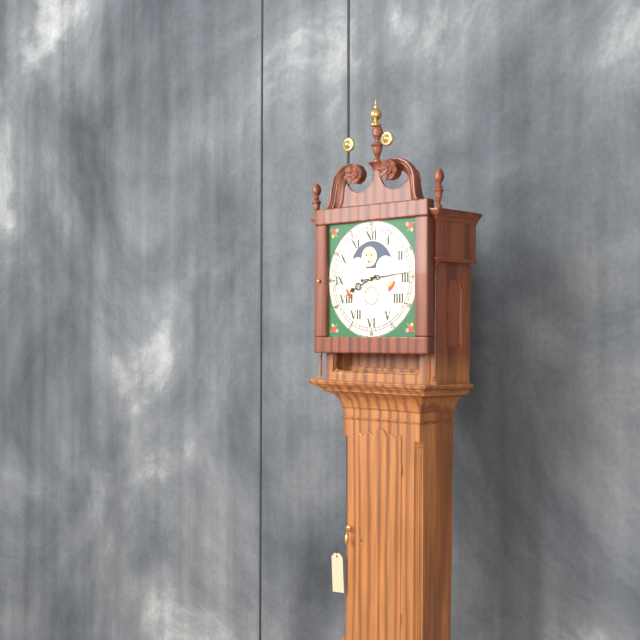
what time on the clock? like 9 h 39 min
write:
8 h 14 min
